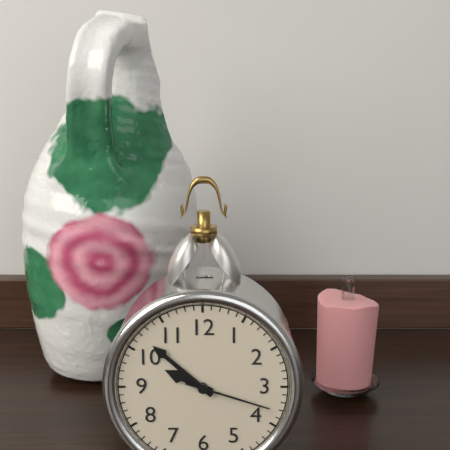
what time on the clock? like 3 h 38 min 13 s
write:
9 h 52 min 18 s
